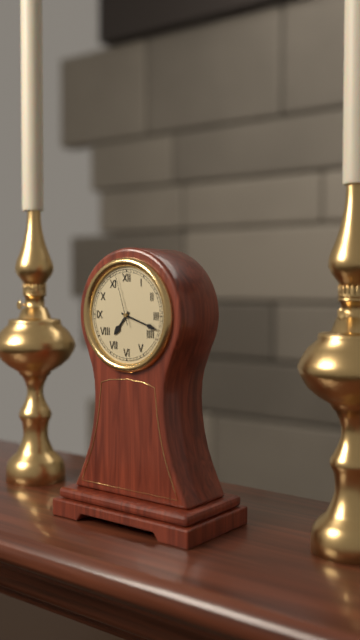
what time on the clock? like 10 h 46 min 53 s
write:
7 h 18 min 57 s
